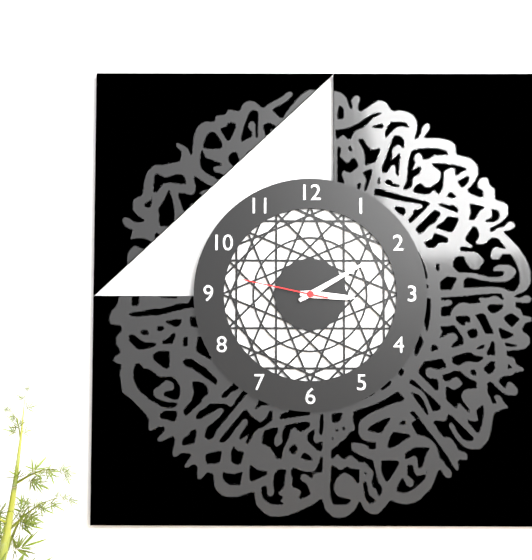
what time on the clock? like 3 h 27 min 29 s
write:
3 h 10 min 47 s
